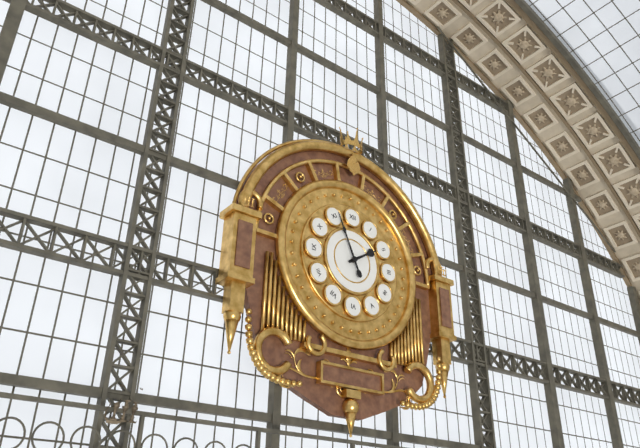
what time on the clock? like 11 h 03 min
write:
1 h 56 min
